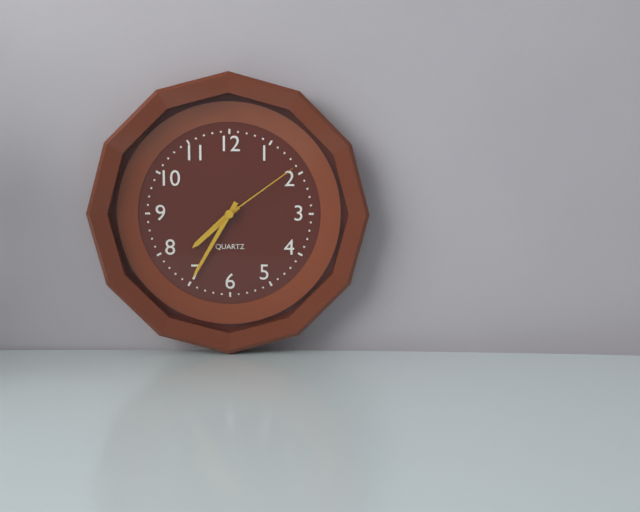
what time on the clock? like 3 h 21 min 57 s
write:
7 h 35 min 09 s
